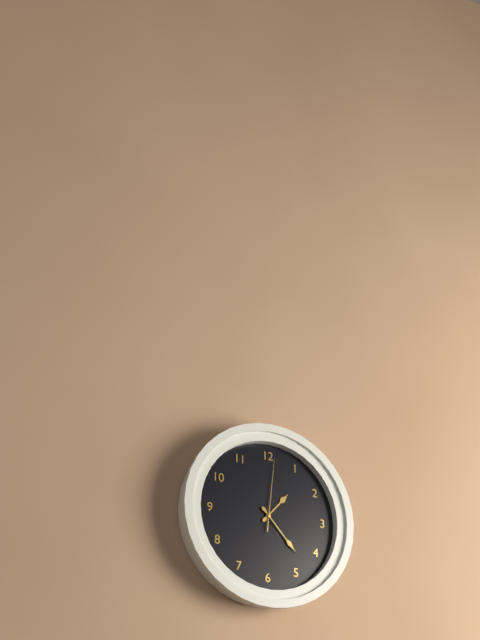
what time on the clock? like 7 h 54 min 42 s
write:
1 h 23 min 01 s
